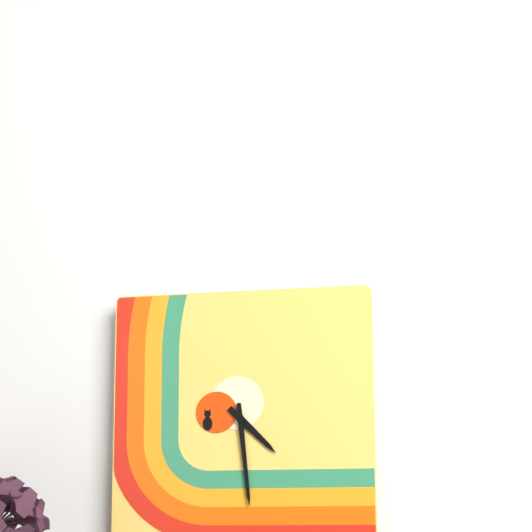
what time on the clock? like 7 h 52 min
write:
4 h 29 min
